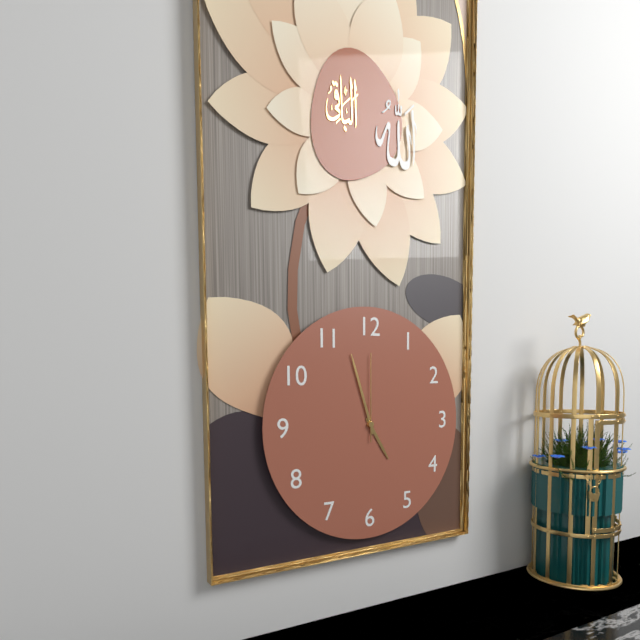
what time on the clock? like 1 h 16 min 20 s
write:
4 h 57 min 00 s
